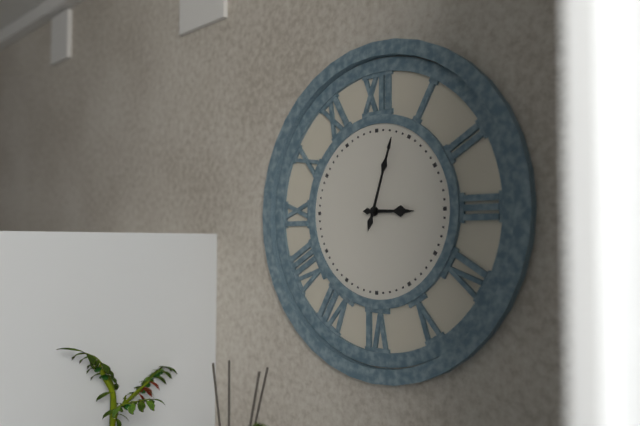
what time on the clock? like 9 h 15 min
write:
3 h 03 min
